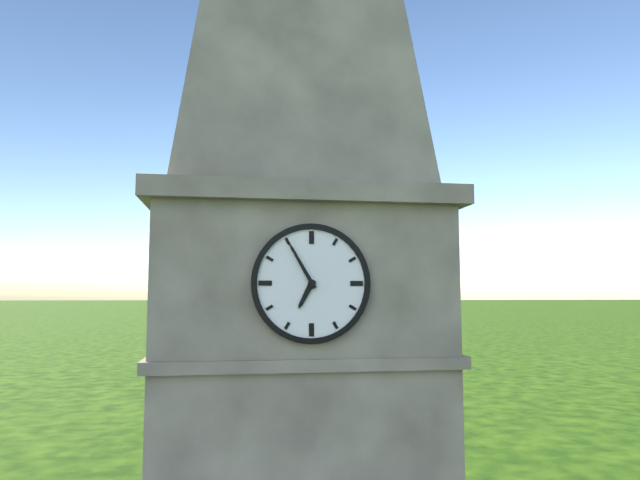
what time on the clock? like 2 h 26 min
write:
6 h 55 min
